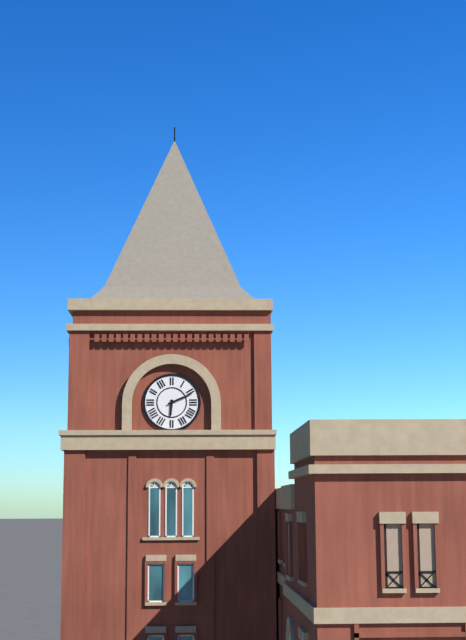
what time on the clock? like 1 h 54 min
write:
6 h 11 min
